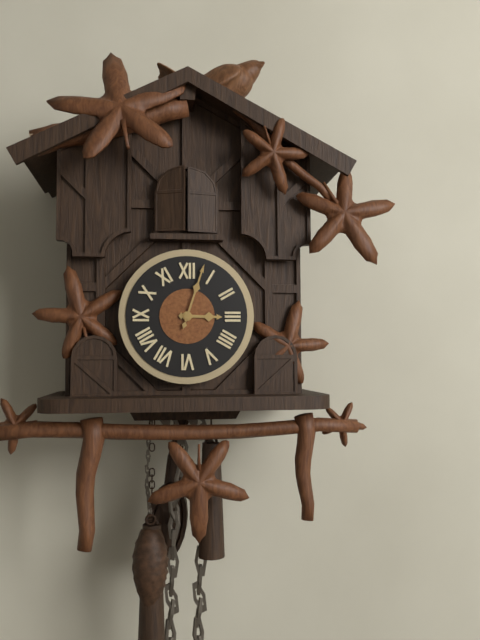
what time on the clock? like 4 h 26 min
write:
3 h 03 min
